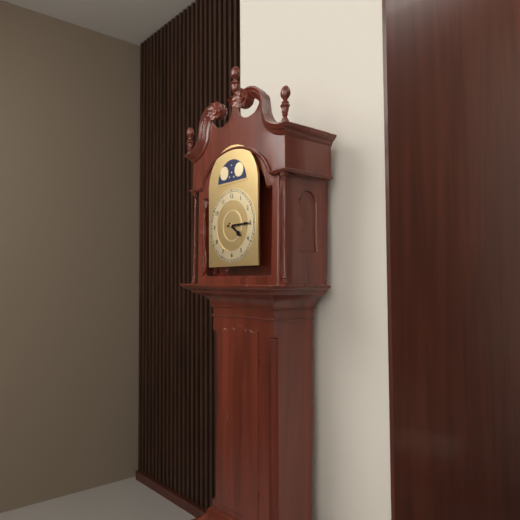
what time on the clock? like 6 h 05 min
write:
4 h 15 min
